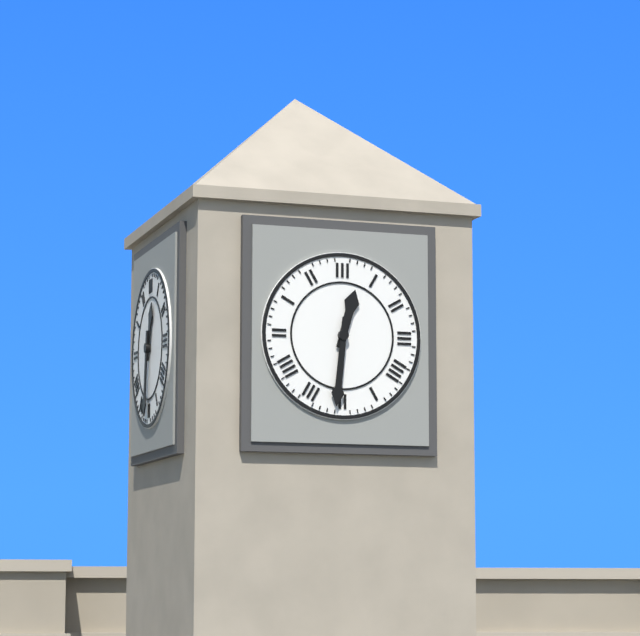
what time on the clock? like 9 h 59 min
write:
12 h 31 min
